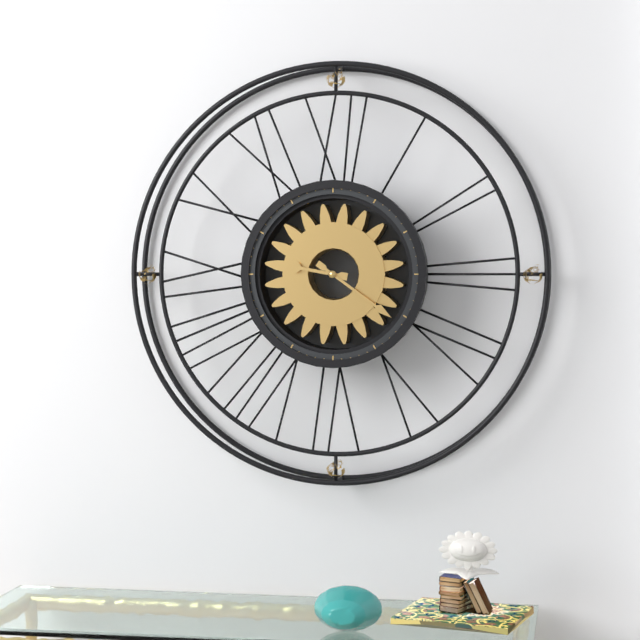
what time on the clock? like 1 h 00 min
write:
9 h 21 min
